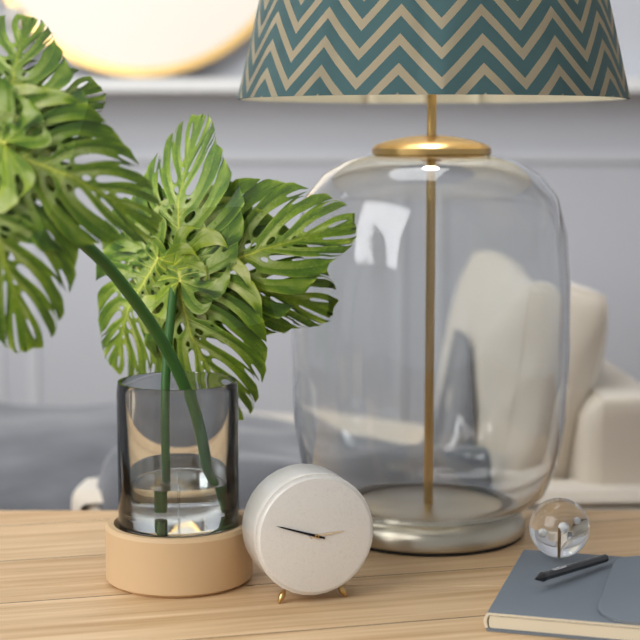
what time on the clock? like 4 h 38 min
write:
2 h 48 min
